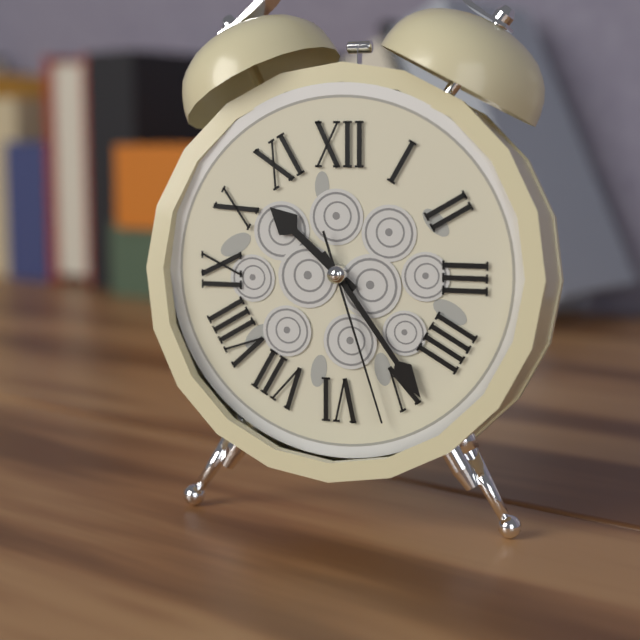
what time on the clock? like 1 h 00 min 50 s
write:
10 h 24 min 27 s
